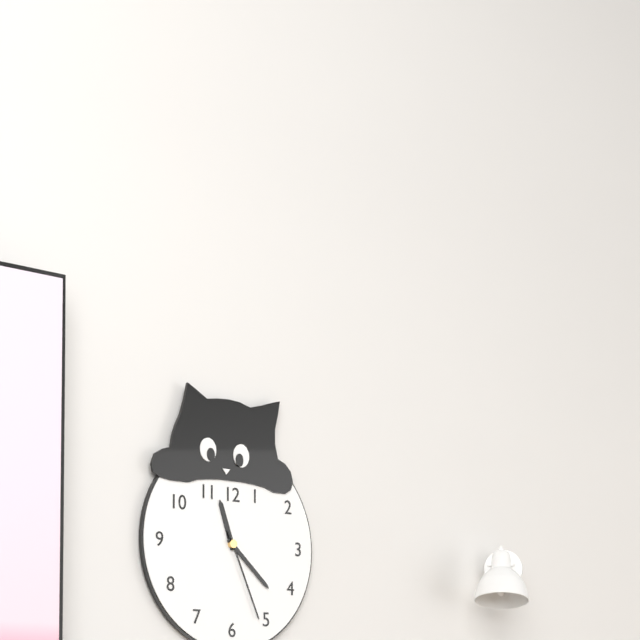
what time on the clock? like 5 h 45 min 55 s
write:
11 h 22 min 26 s
